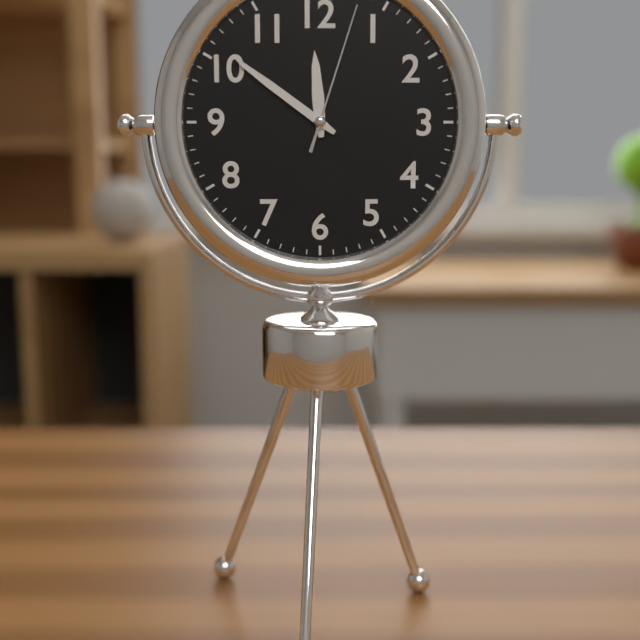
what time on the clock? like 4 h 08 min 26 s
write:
11 h 51 min 03 s
